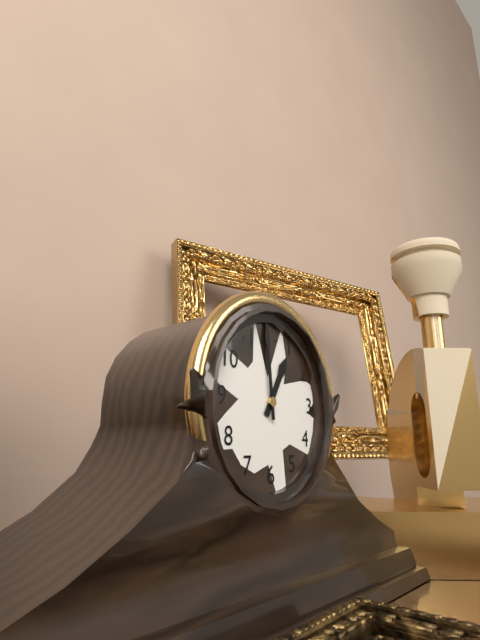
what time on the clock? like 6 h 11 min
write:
12 h 59 min
